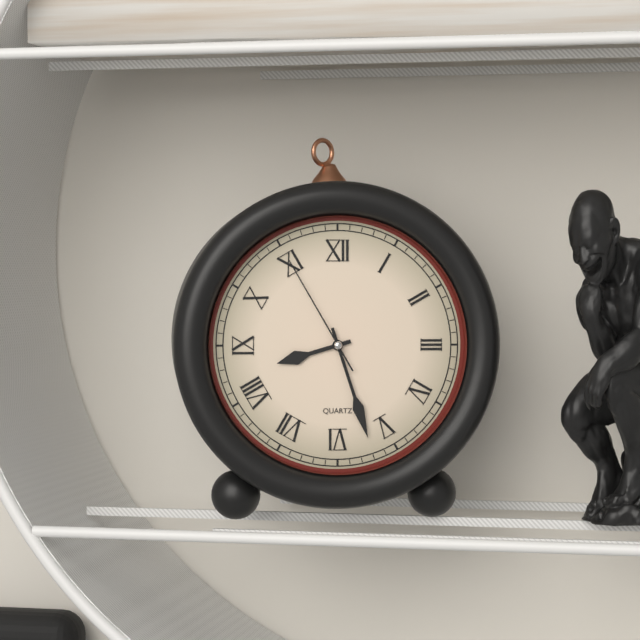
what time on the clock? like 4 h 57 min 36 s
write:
8 h 27 min 55 s
